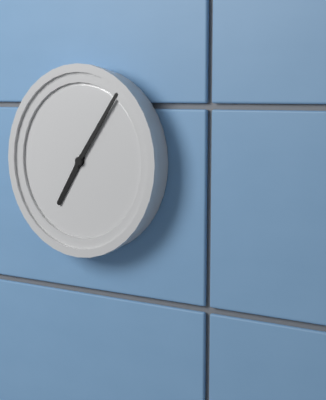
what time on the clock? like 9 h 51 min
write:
7 h 06 min
